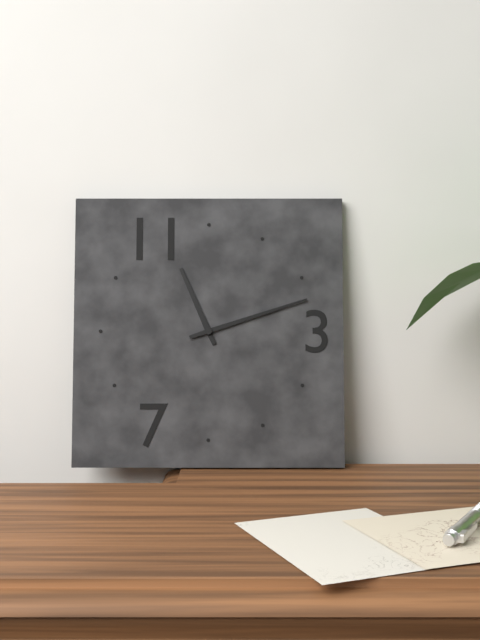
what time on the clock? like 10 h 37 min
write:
11 h 12 min
